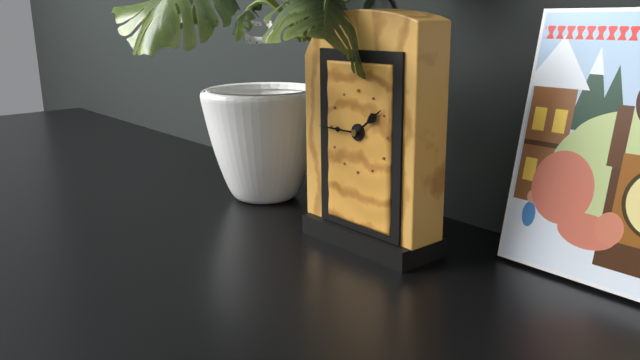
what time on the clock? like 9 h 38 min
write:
1 h 45 min
